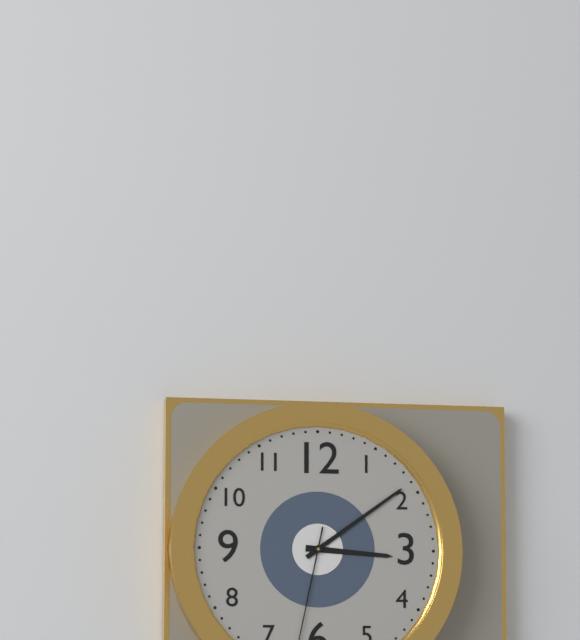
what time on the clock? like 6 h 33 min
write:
3 h 09 min
